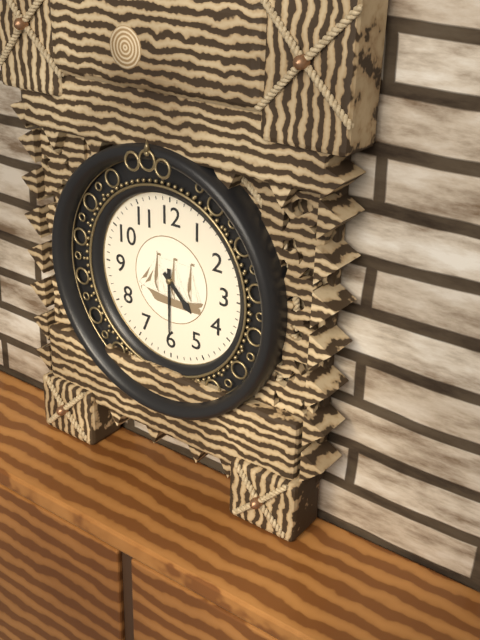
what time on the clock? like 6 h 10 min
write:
4 h 30 min
